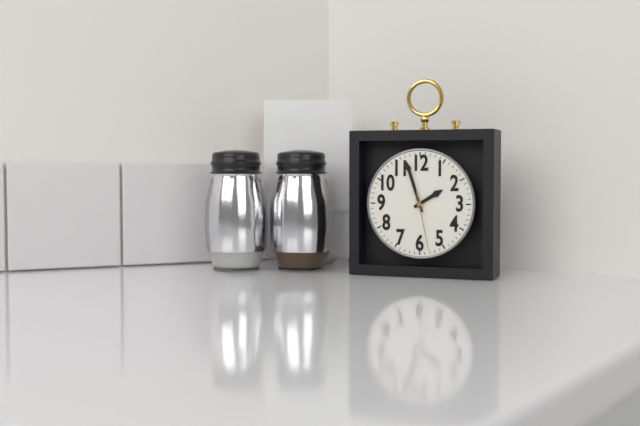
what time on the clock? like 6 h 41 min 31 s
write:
1 h 57 min 28 s
